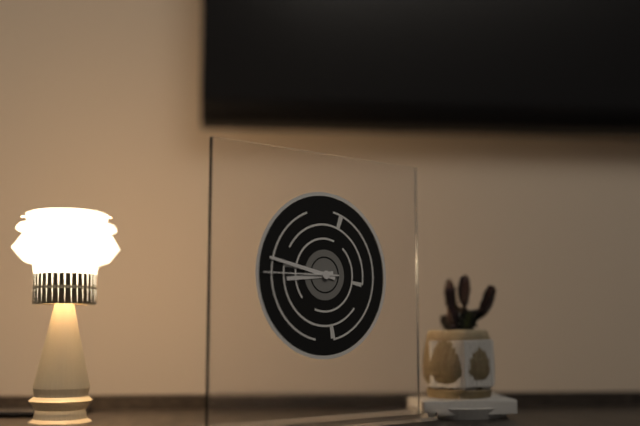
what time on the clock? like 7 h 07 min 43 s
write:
8 h 47 min 45 s
